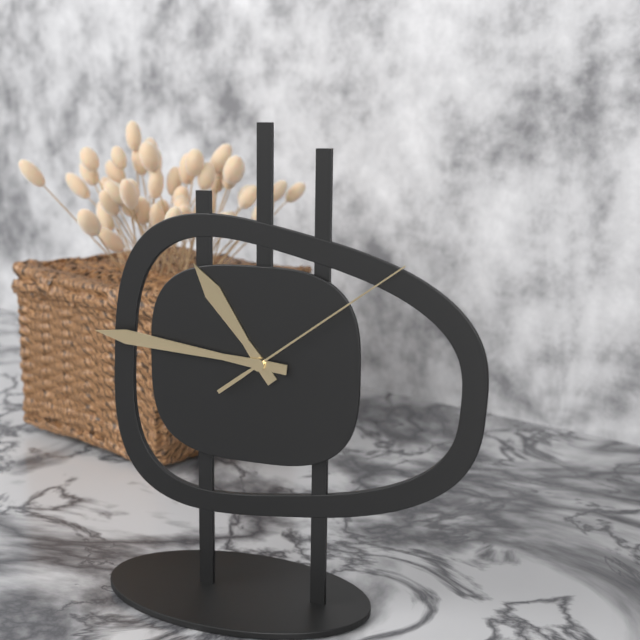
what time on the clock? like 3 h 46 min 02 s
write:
10 h 46 min 09 s
